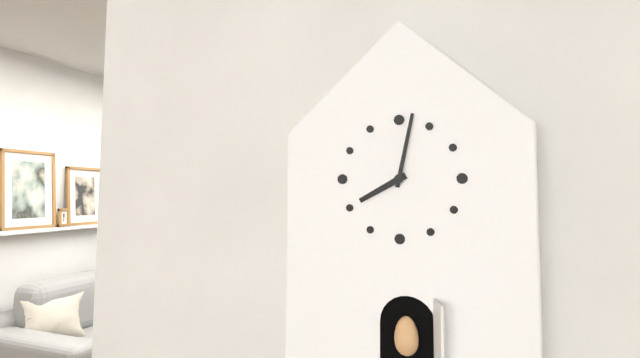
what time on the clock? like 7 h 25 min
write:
8 h 02 min
